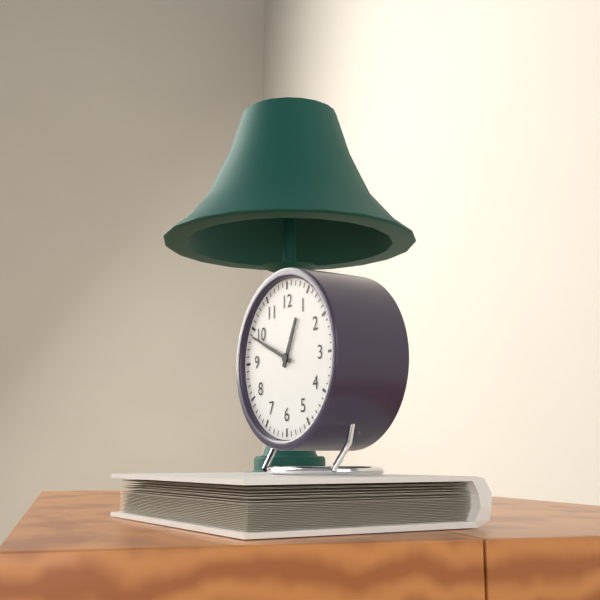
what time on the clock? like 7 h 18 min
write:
12 h 49 min
